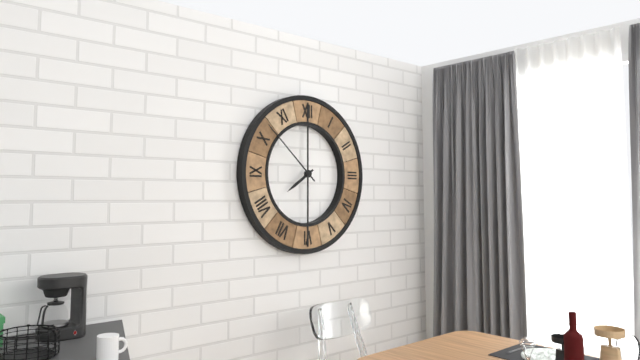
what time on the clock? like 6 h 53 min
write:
7 h 52 min
